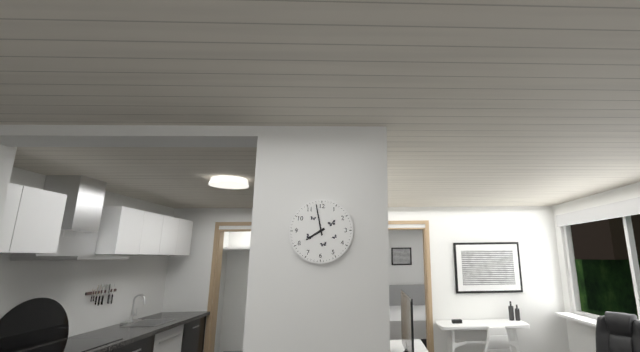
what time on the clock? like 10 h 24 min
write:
7 h 58 min
